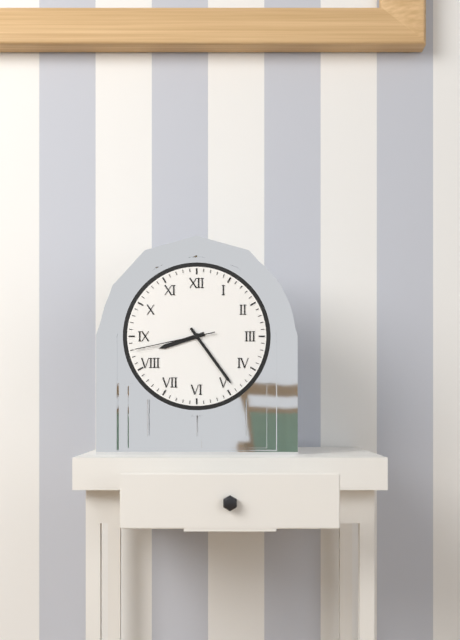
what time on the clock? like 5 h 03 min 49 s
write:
8 h 24 min 43 s
